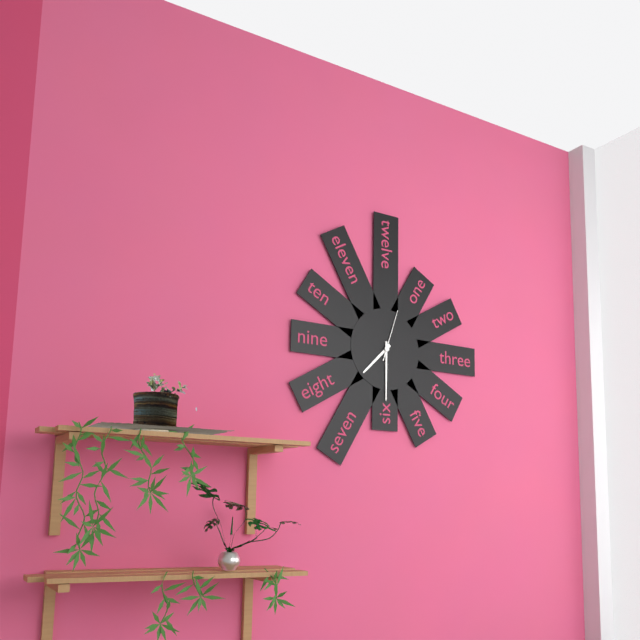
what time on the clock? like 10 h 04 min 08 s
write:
7 h 30 min 03 s
